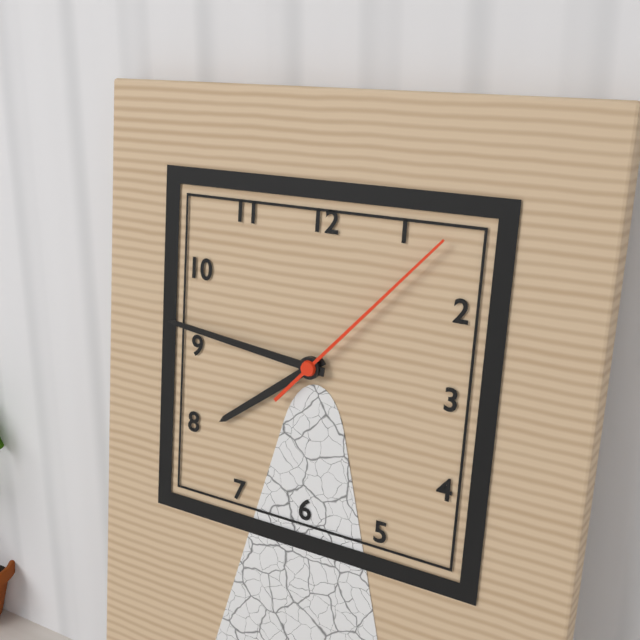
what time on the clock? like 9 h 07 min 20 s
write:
7 h 46 min 07 s
